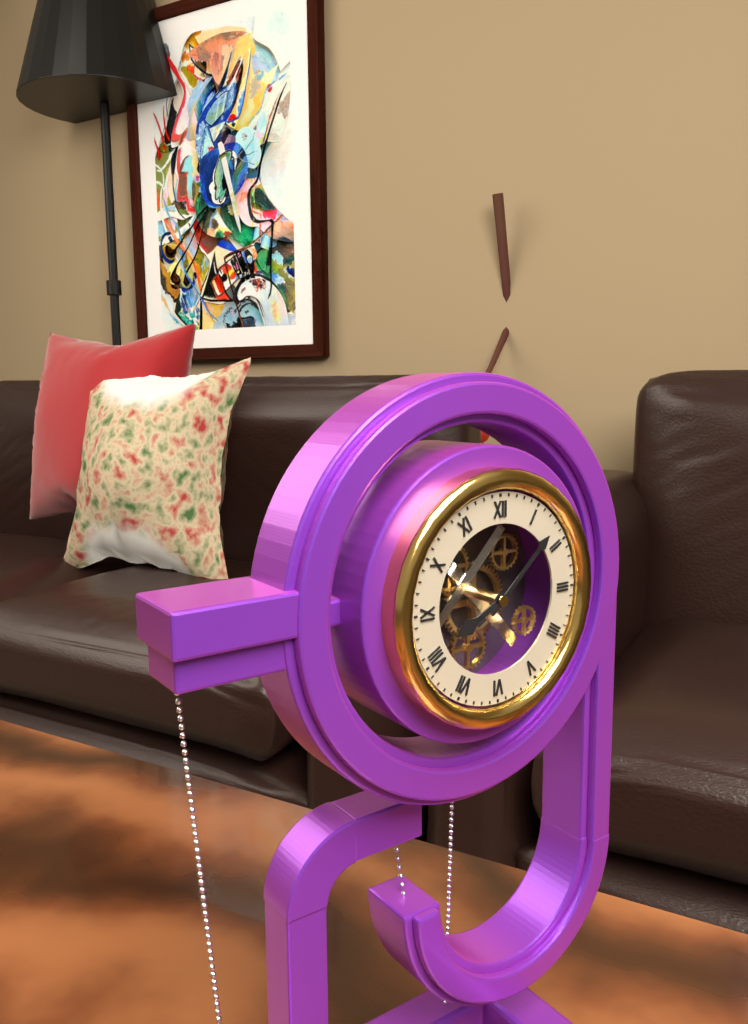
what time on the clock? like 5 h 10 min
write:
8 h 08 min
